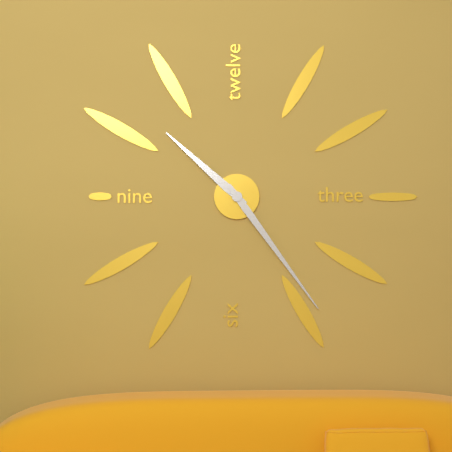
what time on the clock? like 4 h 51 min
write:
10 h 24 min
